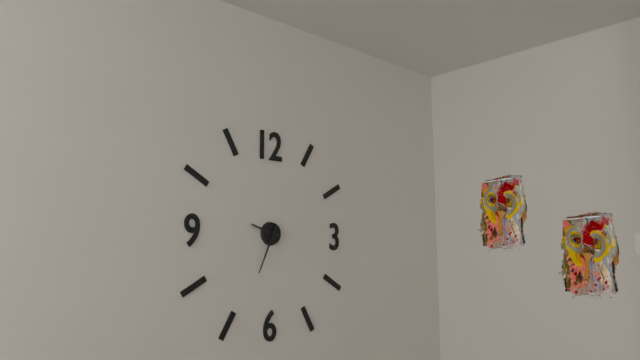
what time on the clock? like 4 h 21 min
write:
9 h 34 min
